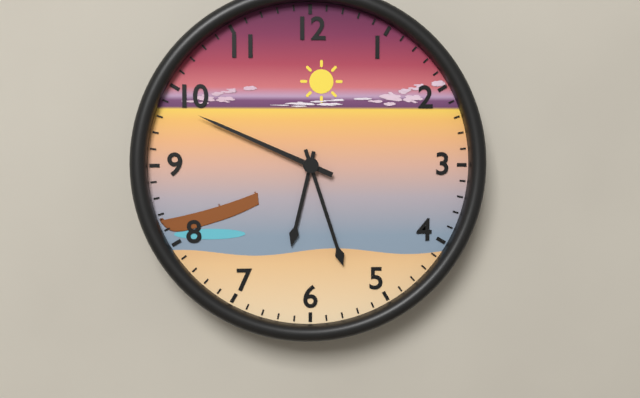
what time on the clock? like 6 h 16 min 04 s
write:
6 h 27 min 49 s
